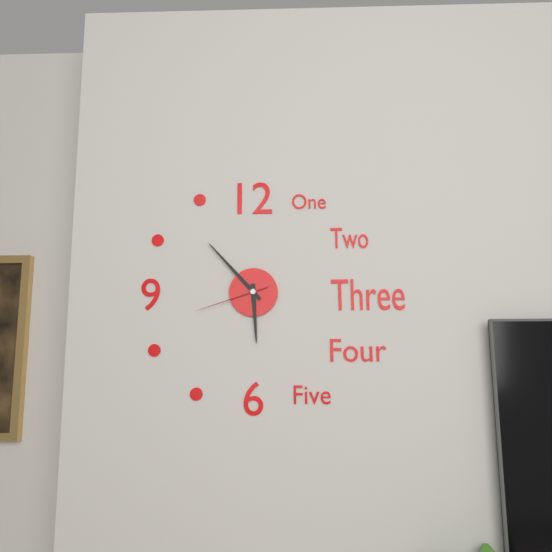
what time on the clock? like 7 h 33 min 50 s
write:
5 h 53 min 42 s
